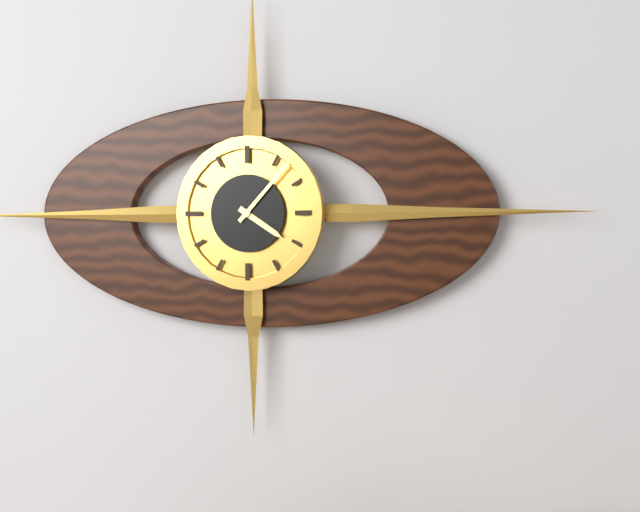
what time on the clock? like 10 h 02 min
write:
4 h 07 min
